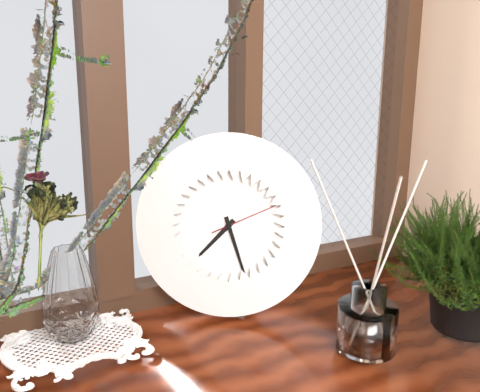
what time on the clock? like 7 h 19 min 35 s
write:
7 h 27 min 11 s
